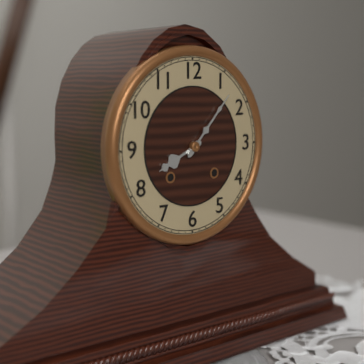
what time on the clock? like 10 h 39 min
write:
8 h 07 min
